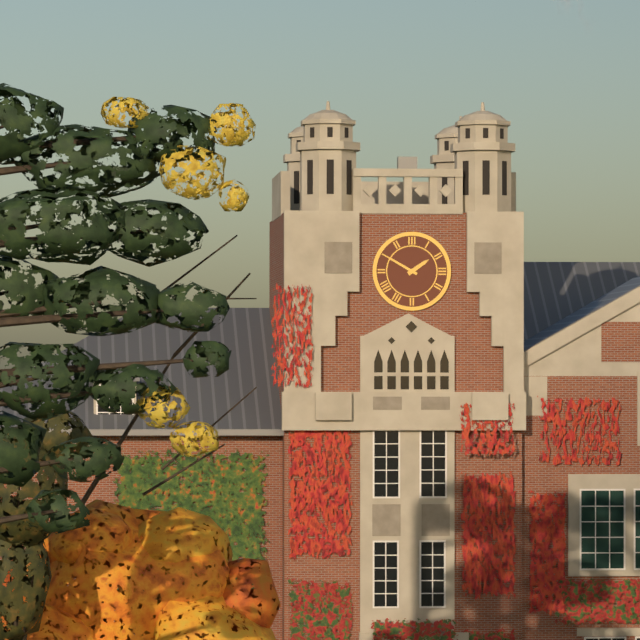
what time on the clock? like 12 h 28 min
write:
1 h 50 min
